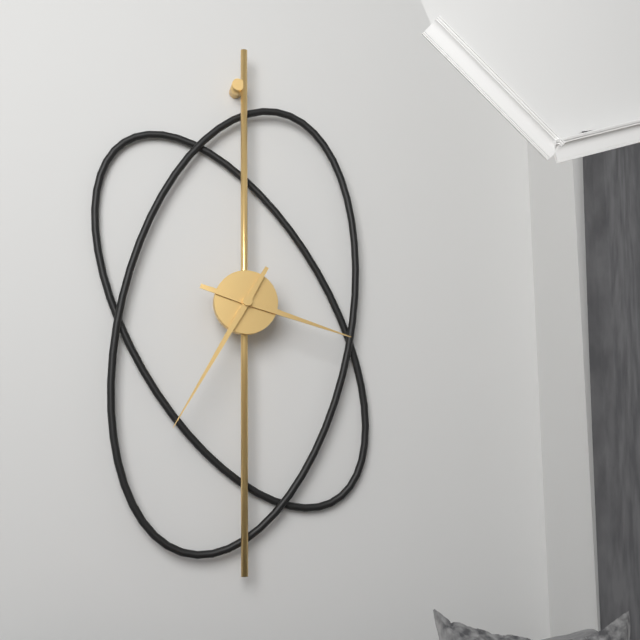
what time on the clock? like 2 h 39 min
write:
3 h 35 min
